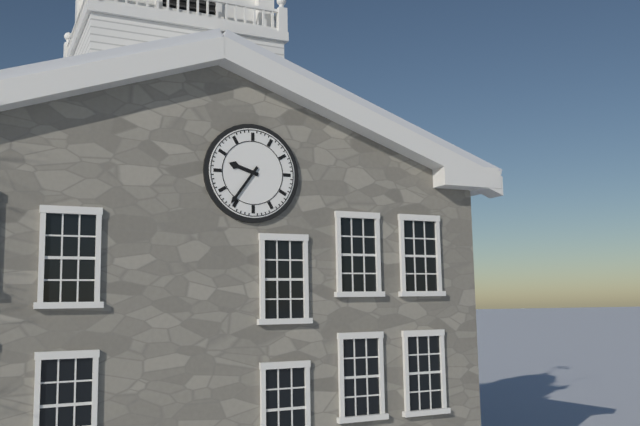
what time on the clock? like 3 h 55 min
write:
9 h 36 min
